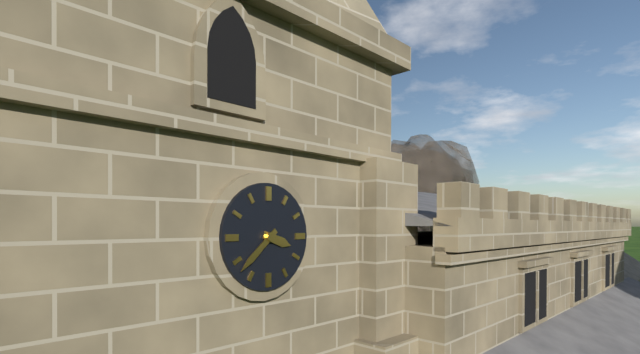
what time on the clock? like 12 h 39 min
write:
3 h 38 min
